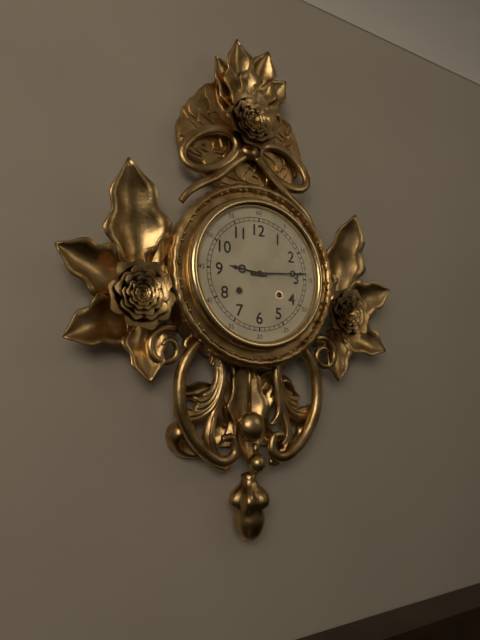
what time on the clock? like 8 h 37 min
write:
9 h 14 min
